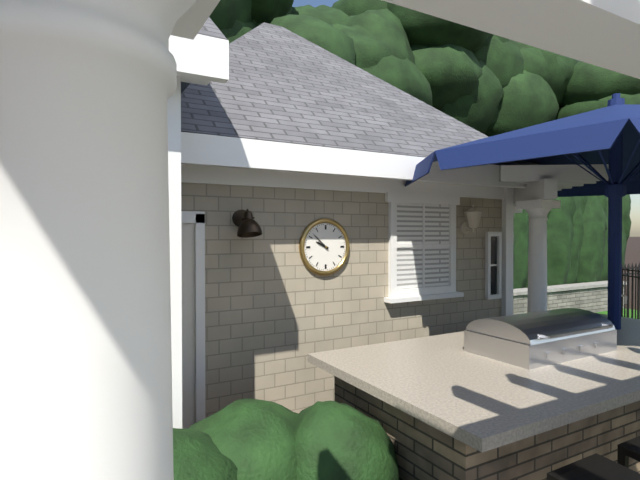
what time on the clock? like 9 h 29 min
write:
9 h 52 min
